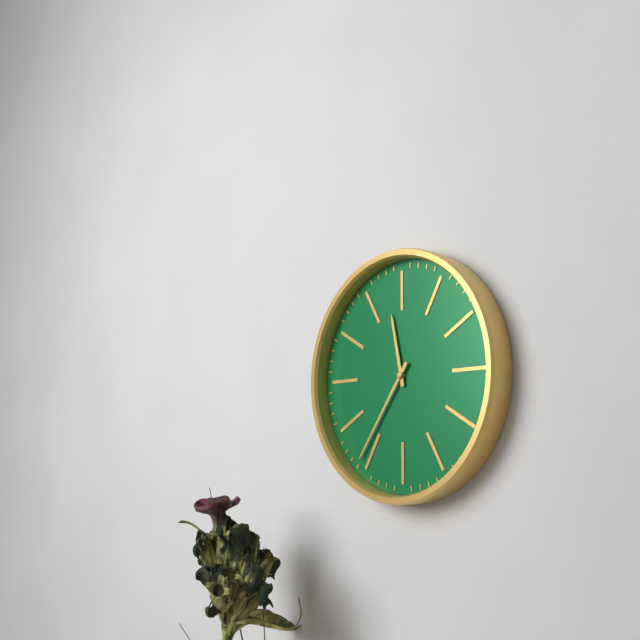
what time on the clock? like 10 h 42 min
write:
11 h 36 min
